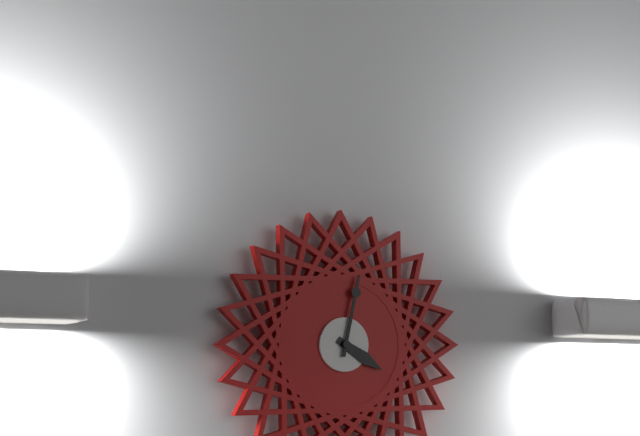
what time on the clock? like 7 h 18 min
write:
4 h 02 min
